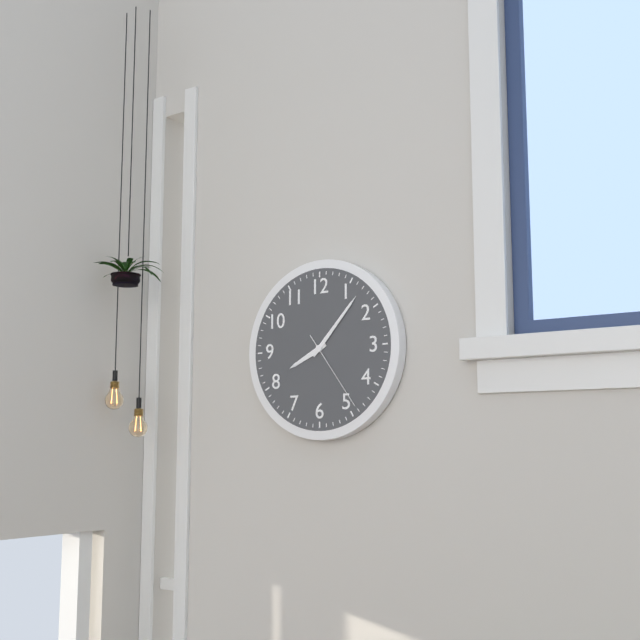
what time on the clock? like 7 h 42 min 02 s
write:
8 h 07 min 24 s
